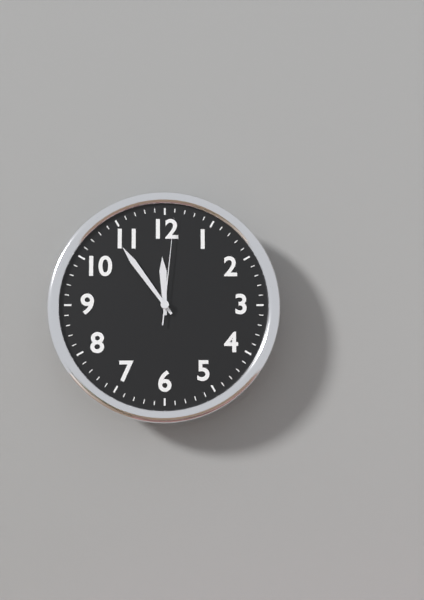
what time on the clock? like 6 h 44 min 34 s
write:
11 h 54 min 01 s
